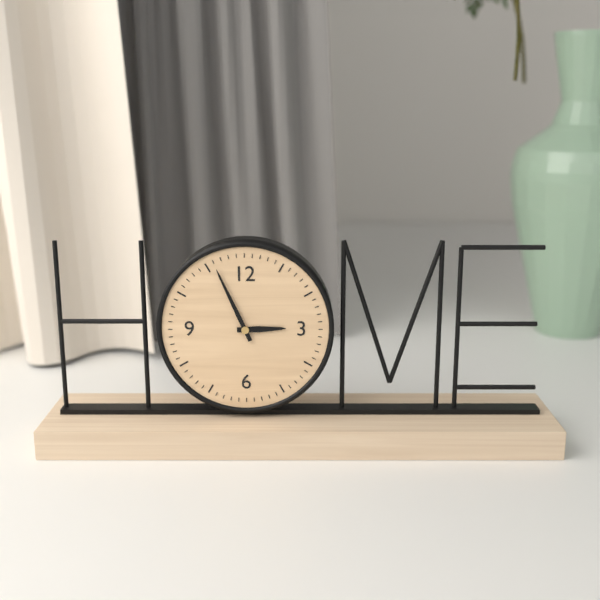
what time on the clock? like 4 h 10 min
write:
2 h 56 min
